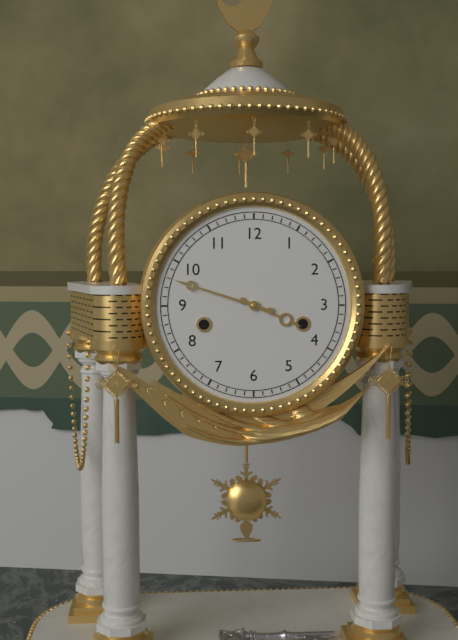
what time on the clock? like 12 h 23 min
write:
3 h 48 min
